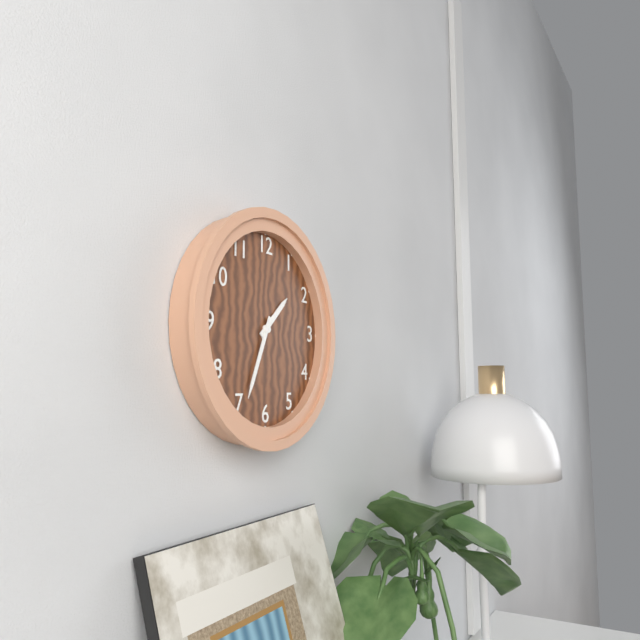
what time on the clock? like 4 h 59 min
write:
1 h 34 min
